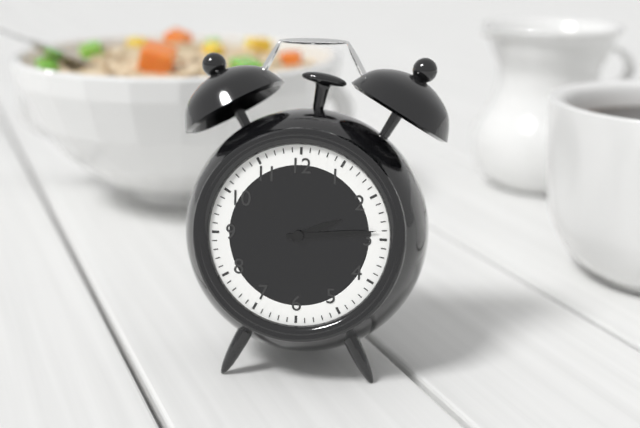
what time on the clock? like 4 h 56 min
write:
2 h 14 min
